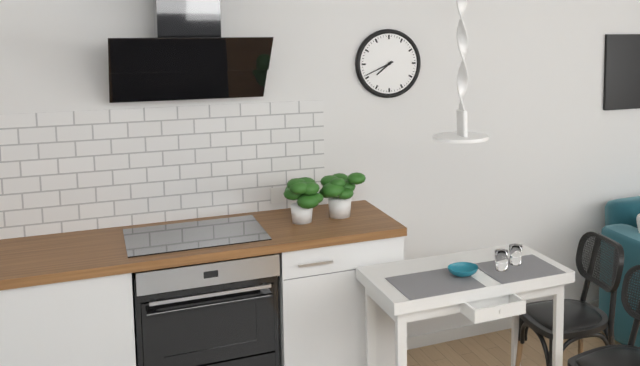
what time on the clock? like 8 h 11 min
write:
7 h 41 min
